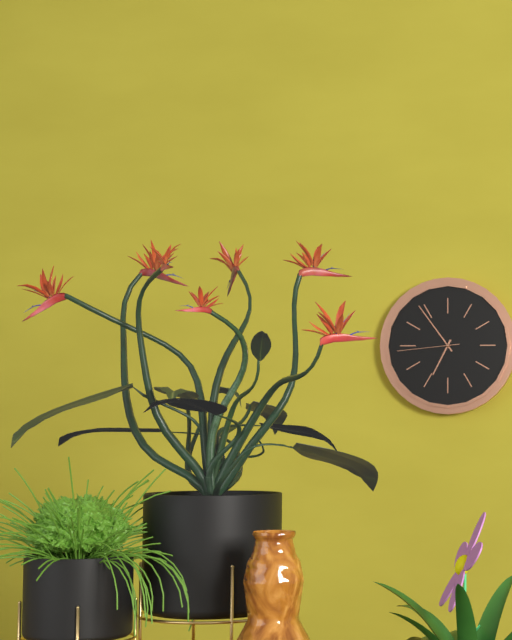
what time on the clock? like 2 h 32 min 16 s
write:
6 h 54 min 44 s
